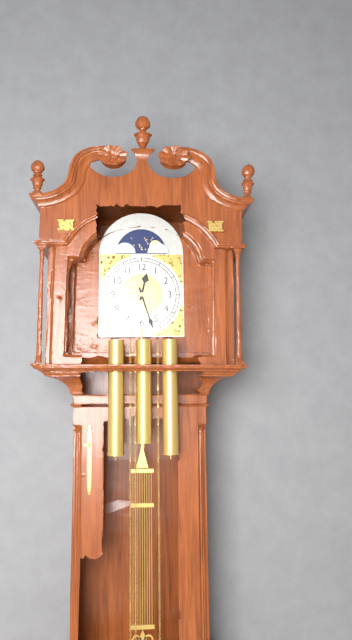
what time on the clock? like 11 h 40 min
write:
12 h 27 min
